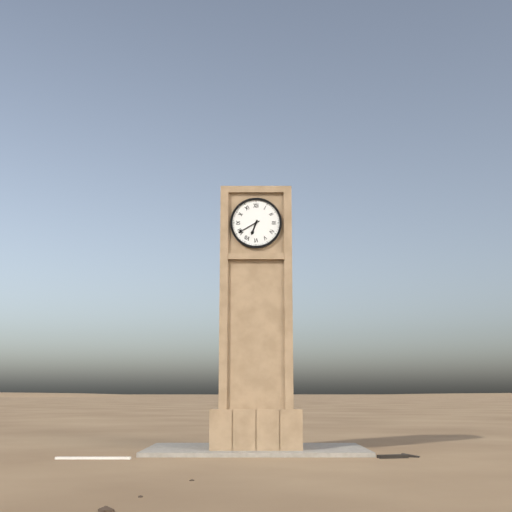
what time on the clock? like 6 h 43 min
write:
6 h 40 min
